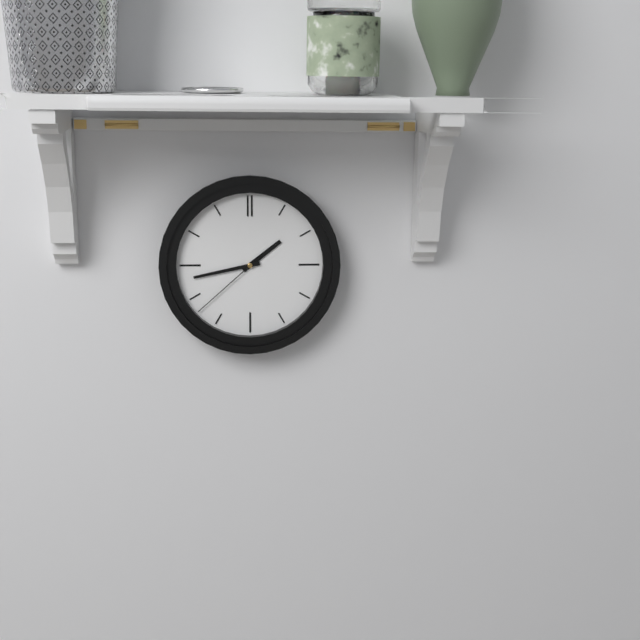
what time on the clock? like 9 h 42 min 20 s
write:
1 h 43 min 38 s
